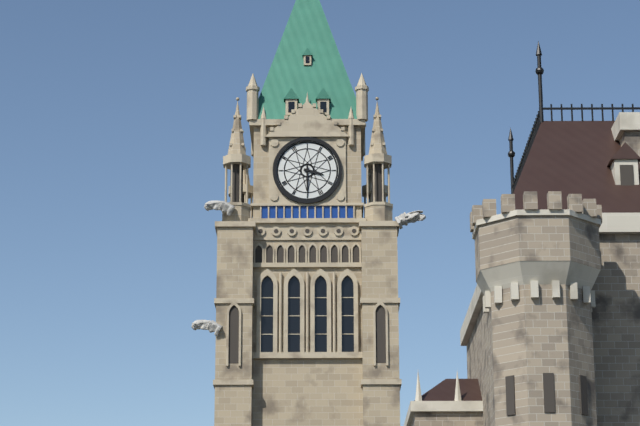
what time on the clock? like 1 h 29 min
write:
3 h 30 min
